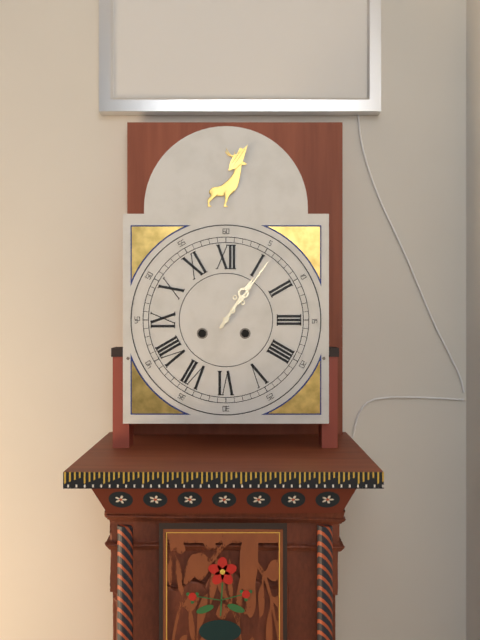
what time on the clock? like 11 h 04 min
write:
1 h 06 min
